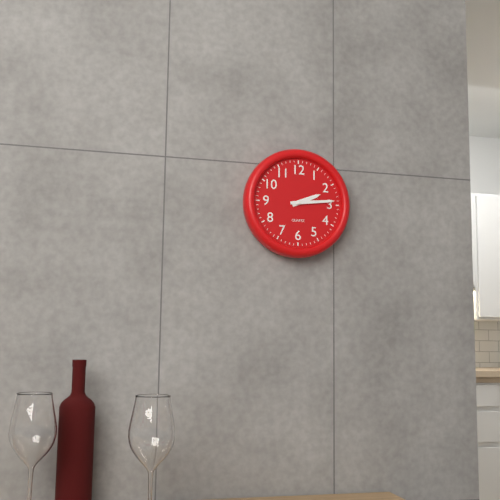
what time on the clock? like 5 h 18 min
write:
2 h 14 min
